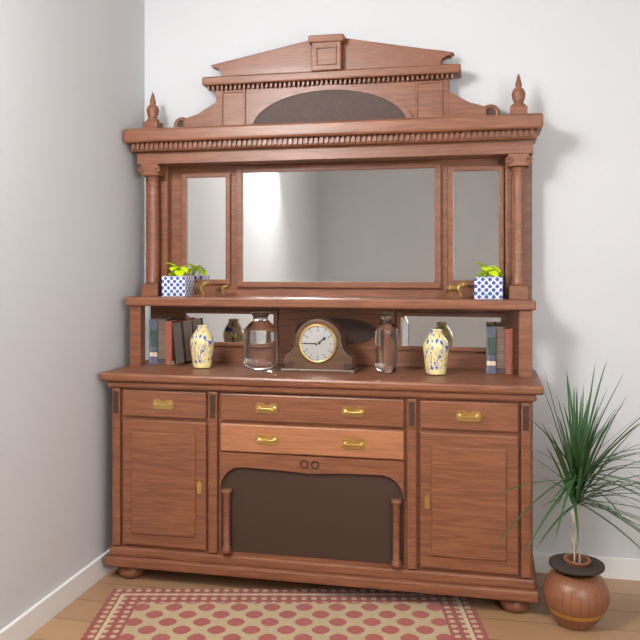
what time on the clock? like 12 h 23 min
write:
1 h 45 min
